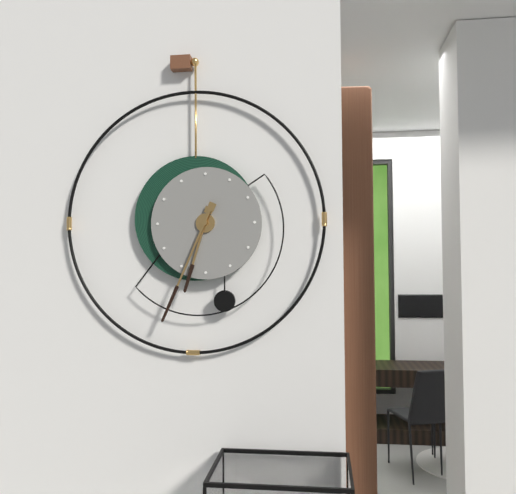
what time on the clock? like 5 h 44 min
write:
6 h 34 min
